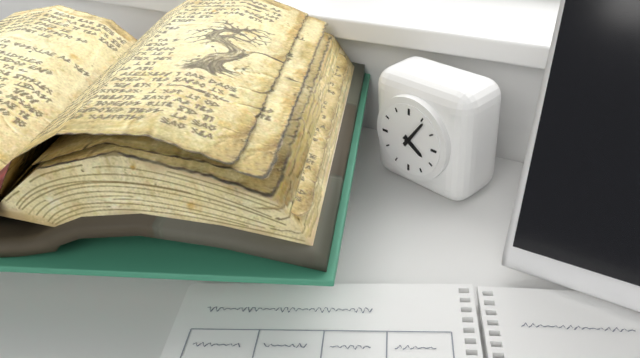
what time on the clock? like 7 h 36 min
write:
4 h 06 min
